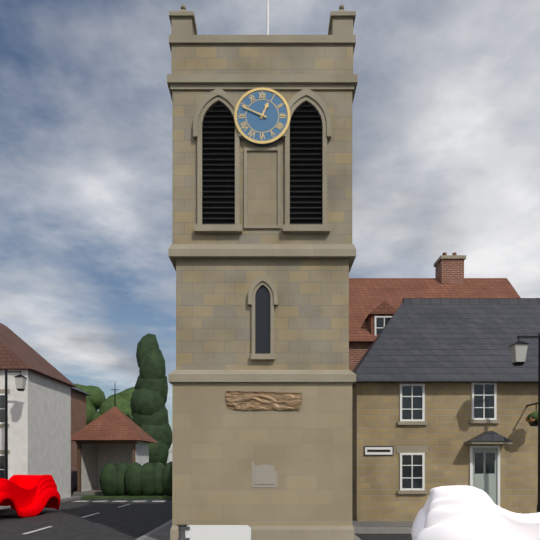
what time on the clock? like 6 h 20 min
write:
12 h 49 min
